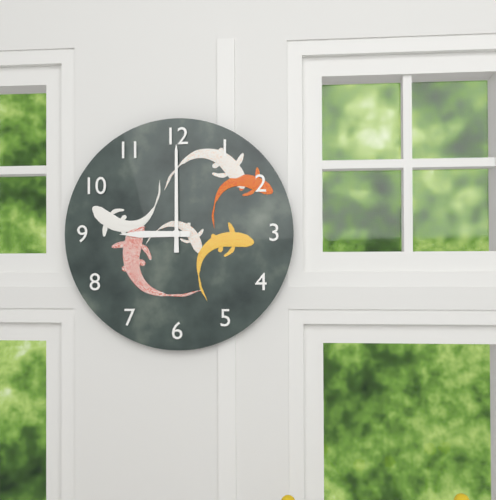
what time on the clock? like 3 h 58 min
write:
9 h 00 min
